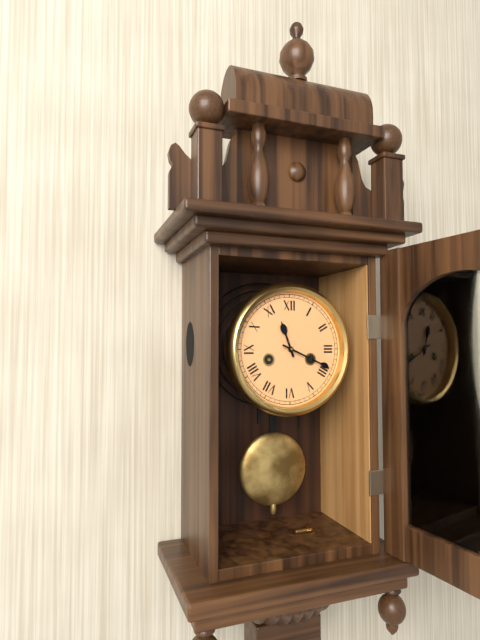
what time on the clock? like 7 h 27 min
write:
11 h 19 min
